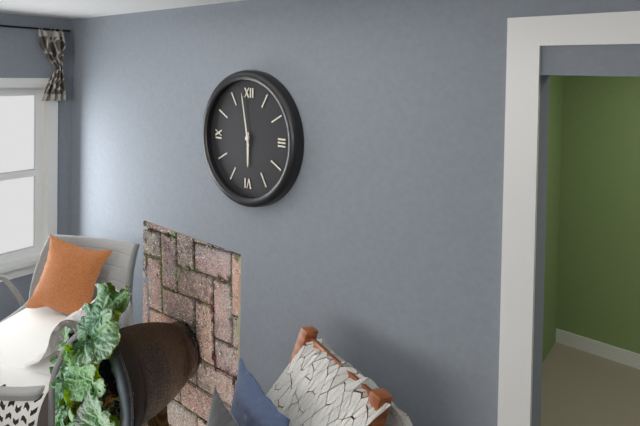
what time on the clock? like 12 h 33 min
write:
5 h 58 min
